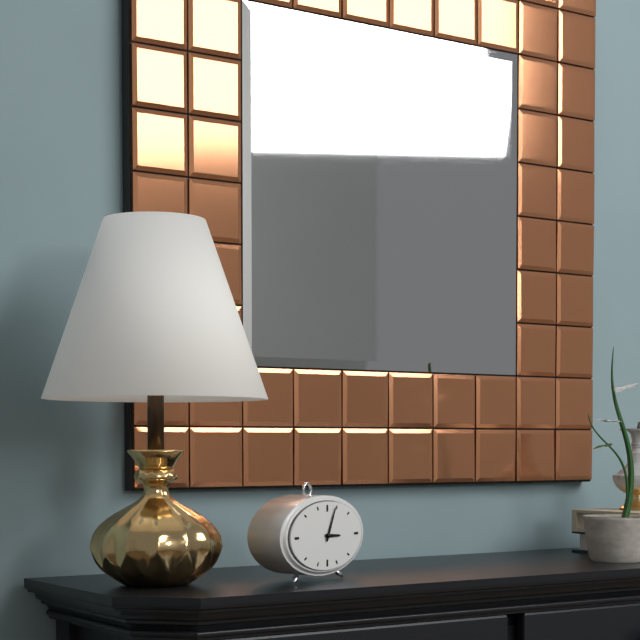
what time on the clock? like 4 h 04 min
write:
3 h 04 min
